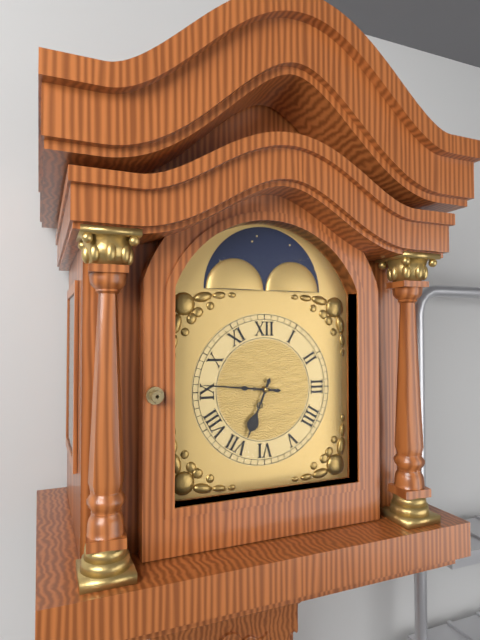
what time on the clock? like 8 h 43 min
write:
6 h 46 min
